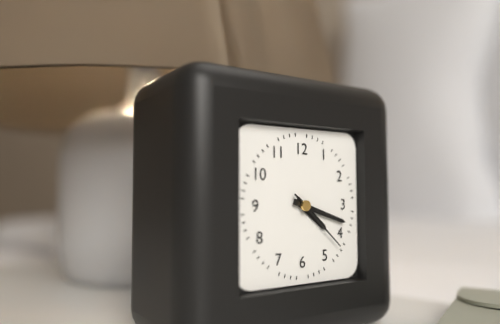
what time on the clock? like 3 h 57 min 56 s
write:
4 h 18 min 22 s
